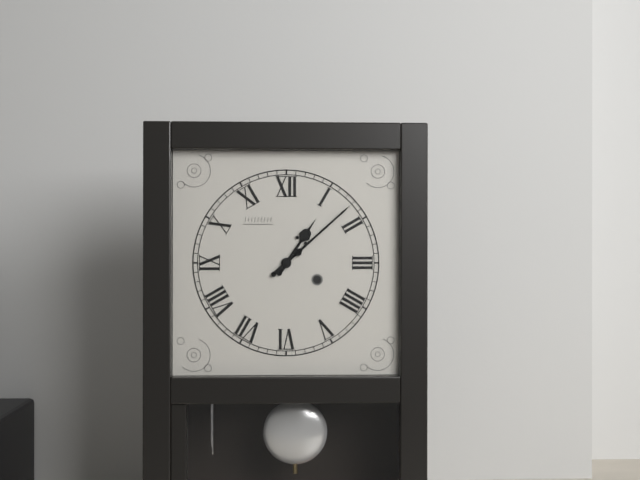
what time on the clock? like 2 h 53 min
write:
1 h 08 min
